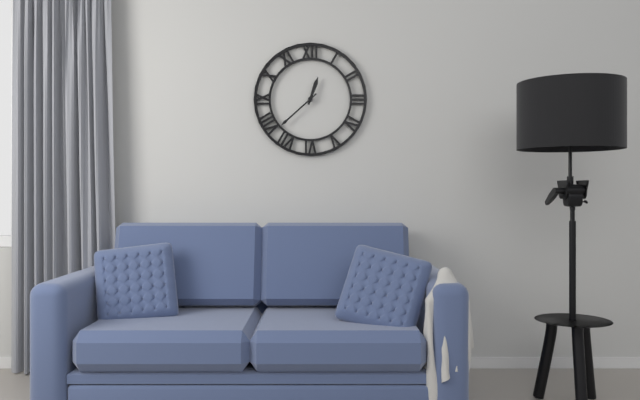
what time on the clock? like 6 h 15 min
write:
12 h 38 min
